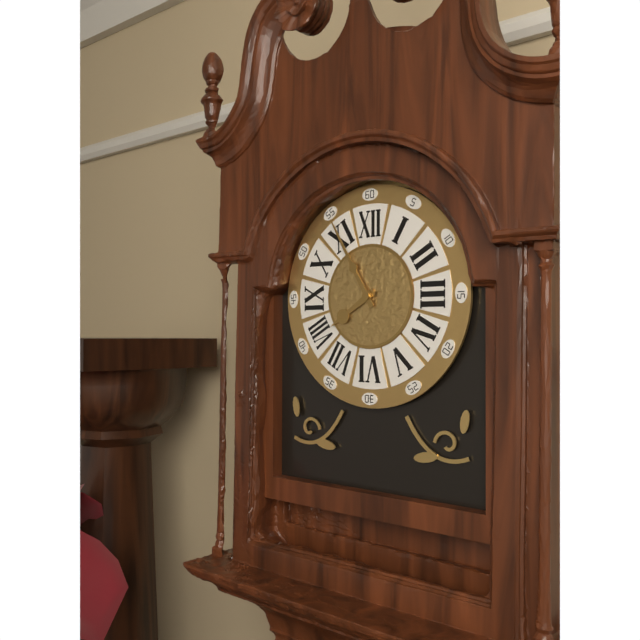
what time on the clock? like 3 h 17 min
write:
7 h 55 min
